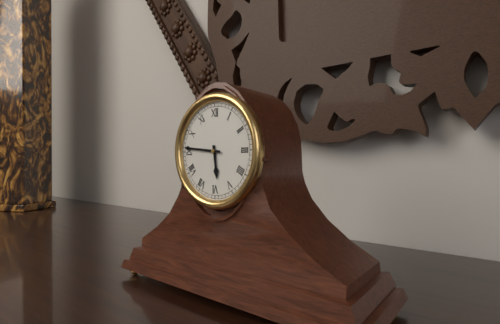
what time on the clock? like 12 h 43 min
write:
5 h 46 min
